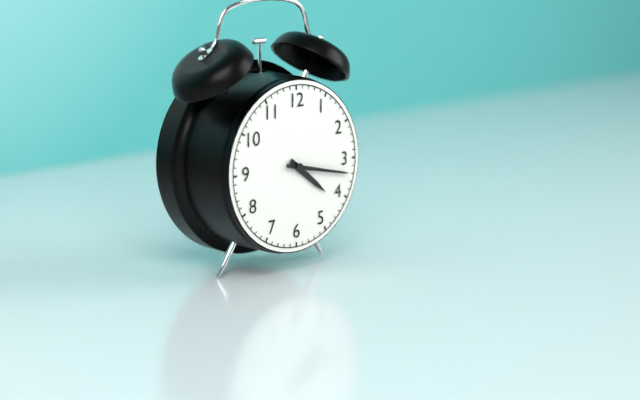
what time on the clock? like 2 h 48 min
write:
4 h 17 min
